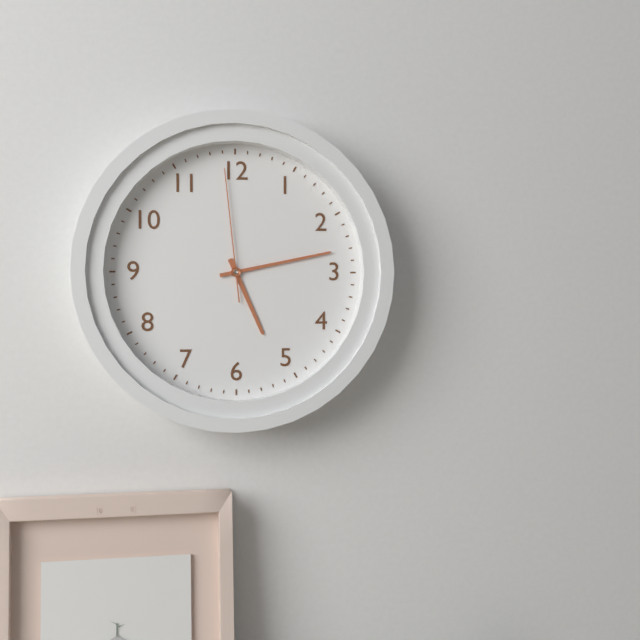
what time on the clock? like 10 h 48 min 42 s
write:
5 h 13 min 59 s
